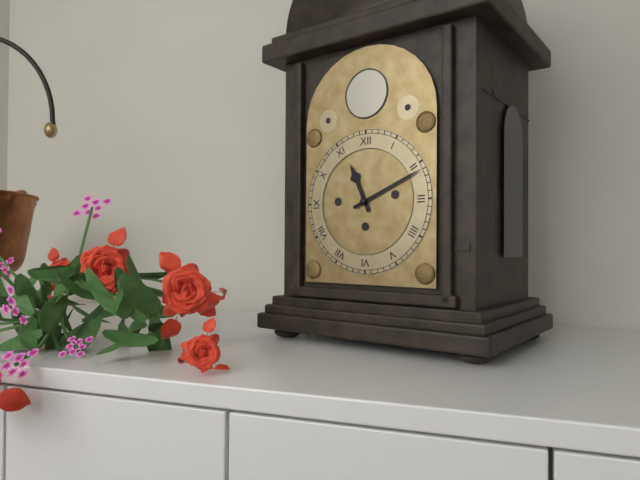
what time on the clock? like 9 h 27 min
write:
11 h 11 min
